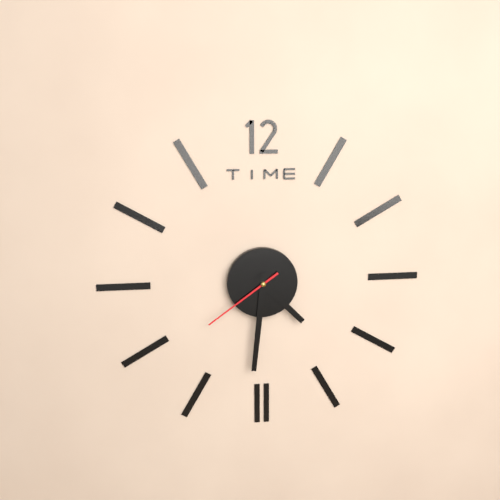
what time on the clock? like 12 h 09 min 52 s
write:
4 h 31 min 39 s
